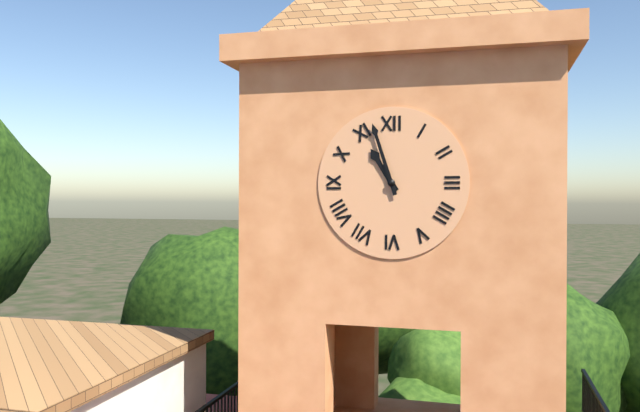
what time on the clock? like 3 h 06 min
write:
10 h 57 min
